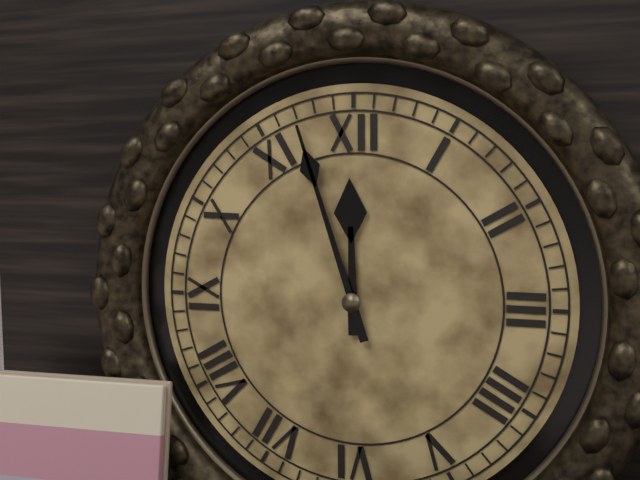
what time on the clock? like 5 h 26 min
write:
11 h 57 min
